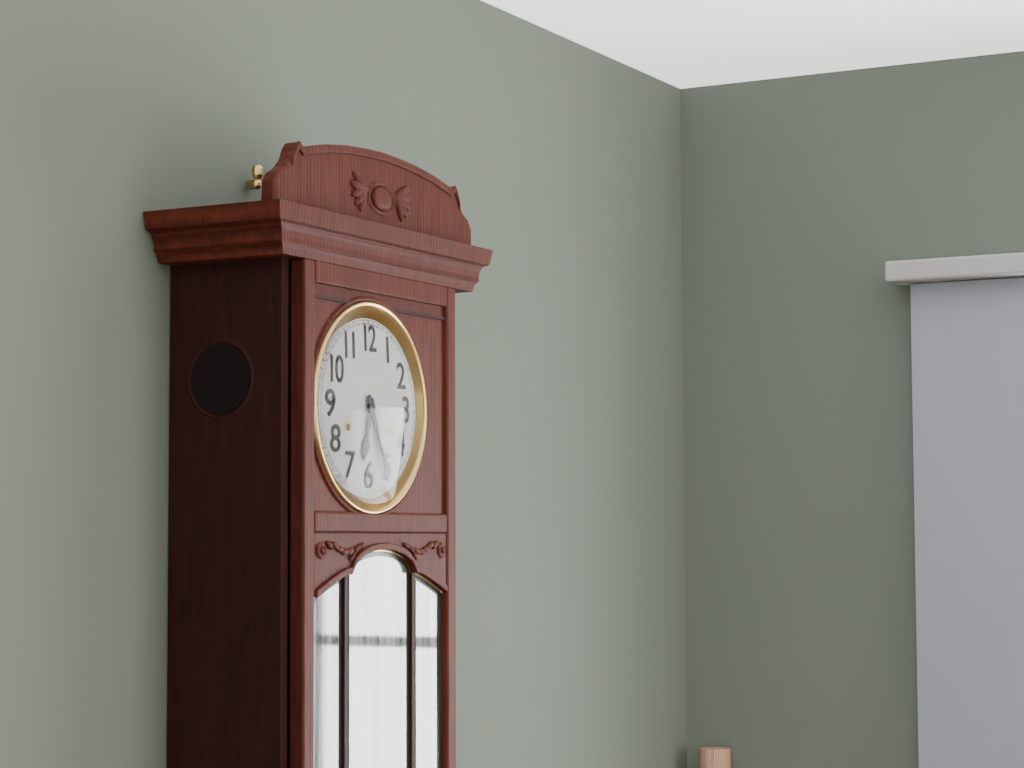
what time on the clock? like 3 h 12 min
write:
6 h 26 min
